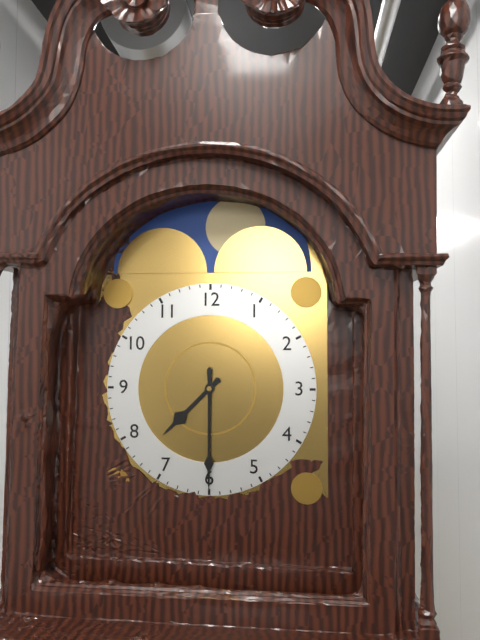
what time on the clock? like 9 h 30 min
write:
7 h 30 min
